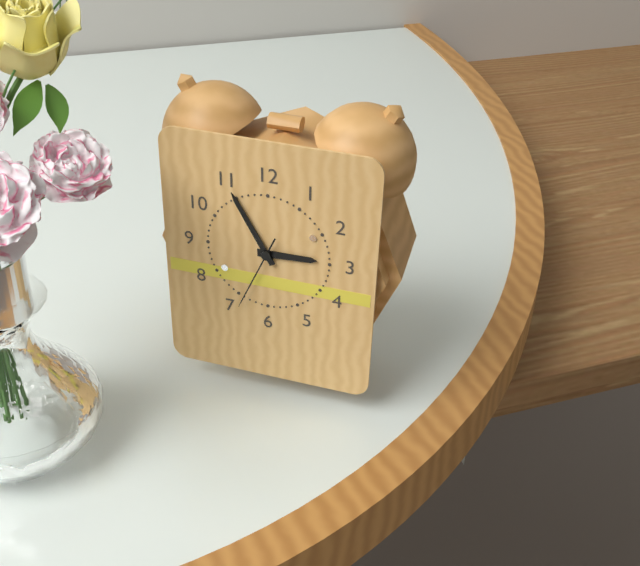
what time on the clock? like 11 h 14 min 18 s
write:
2 h 55 min 34 s
